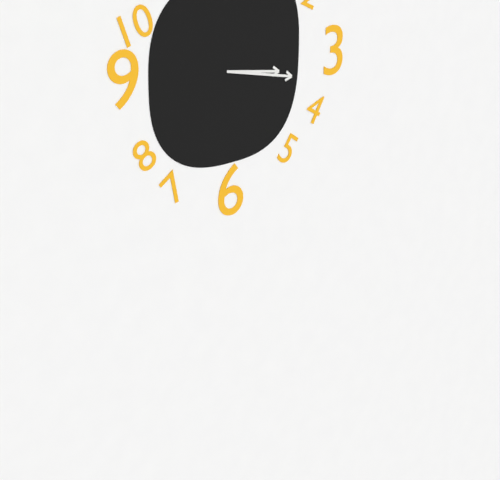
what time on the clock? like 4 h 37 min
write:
3 h 17 min
